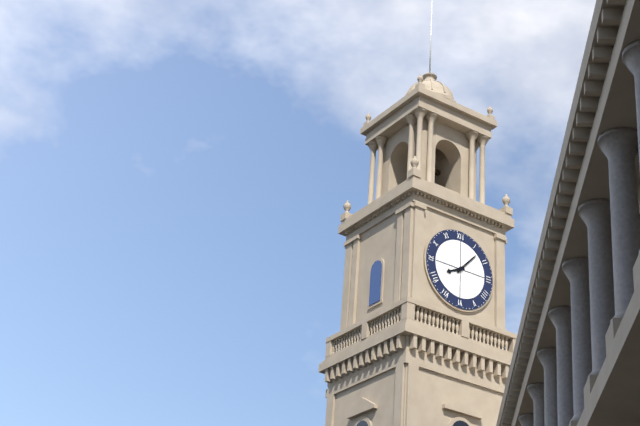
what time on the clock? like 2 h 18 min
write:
8 h 07 min
